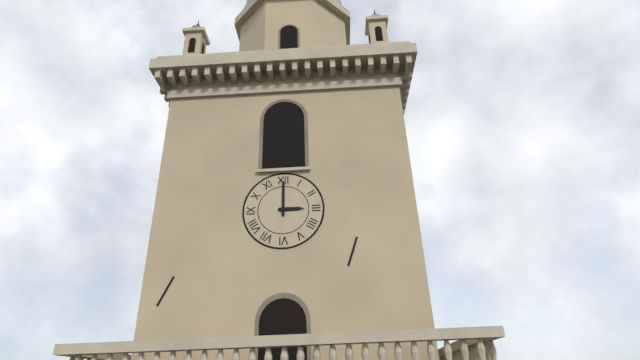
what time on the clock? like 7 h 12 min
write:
3 h 00 min
